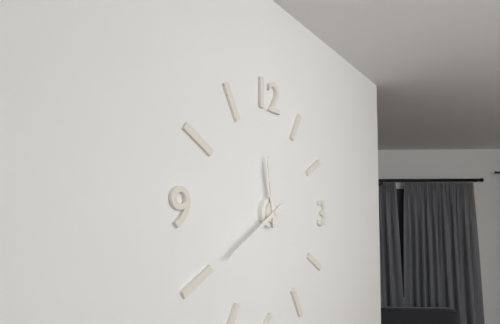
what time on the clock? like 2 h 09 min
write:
11 h 40 min
